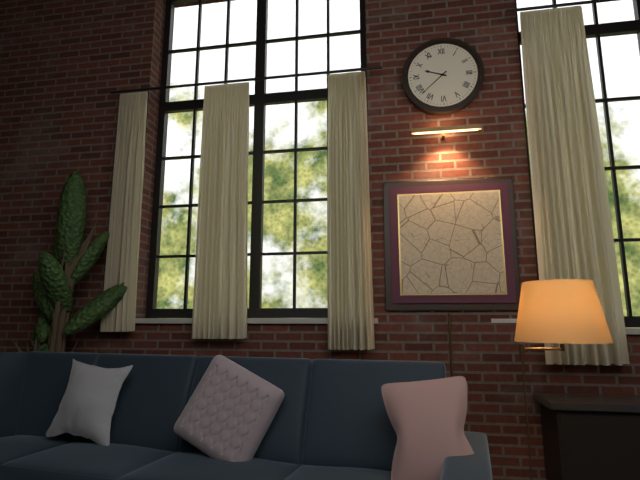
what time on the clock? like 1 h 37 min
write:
9 h 38 min
